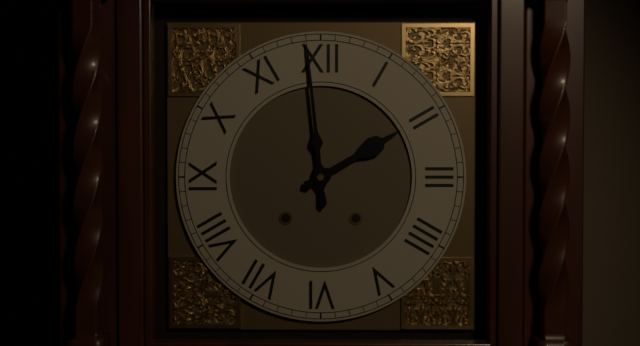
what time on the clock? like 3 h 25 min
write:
1 h 59 min
